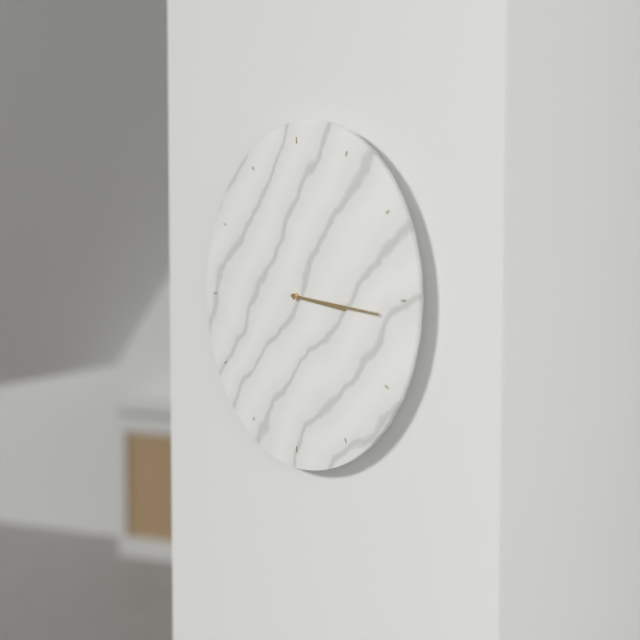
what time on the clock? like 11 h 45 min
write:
3 h 16 min
